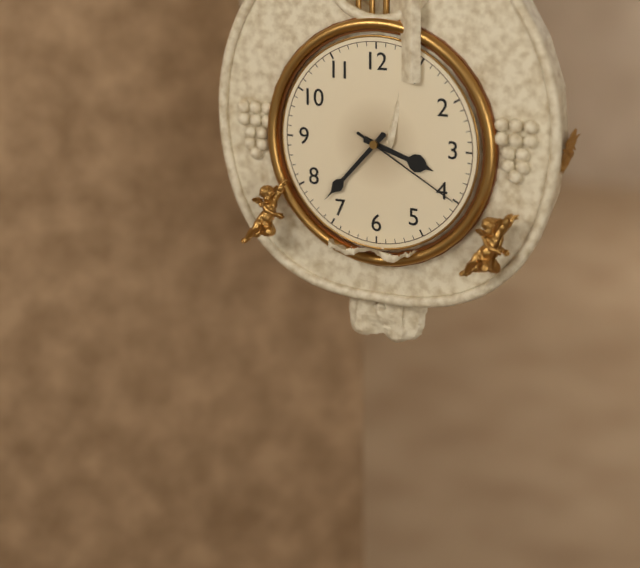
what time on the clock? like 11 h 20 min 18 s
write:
3 h 37 min 20 s
